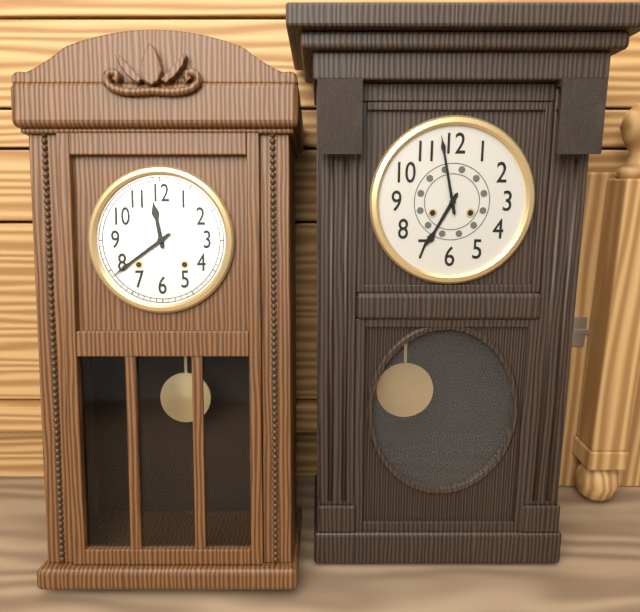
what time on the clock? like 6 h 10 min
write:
11 h 39 min
